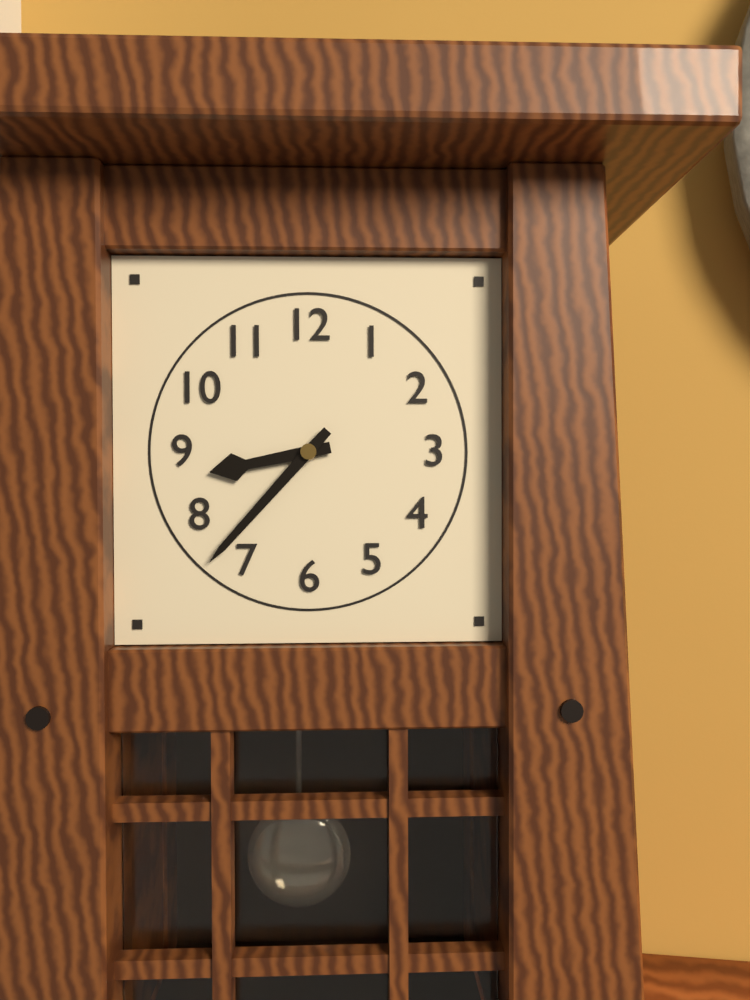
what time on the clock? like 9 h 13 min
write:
8 h 37 min
